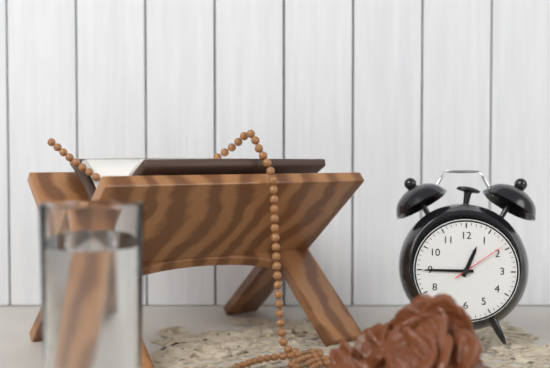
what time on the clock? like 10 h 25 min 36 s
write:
12 h 45 min 09 s
